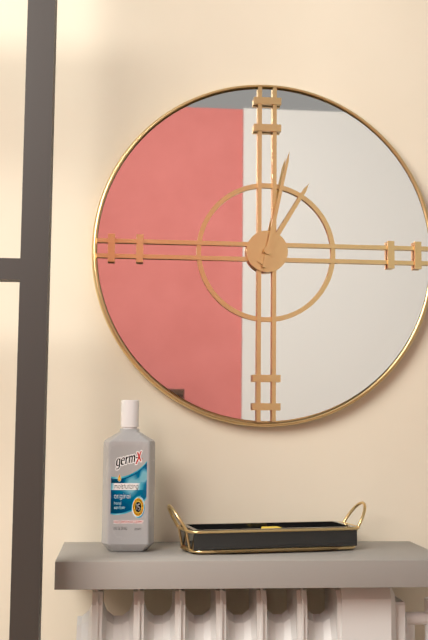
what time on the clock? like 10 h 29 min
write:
1 h 02 min
